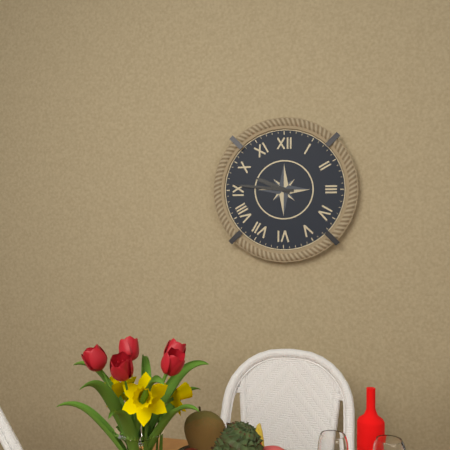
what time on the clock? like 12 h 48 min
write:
9 h 46 min
